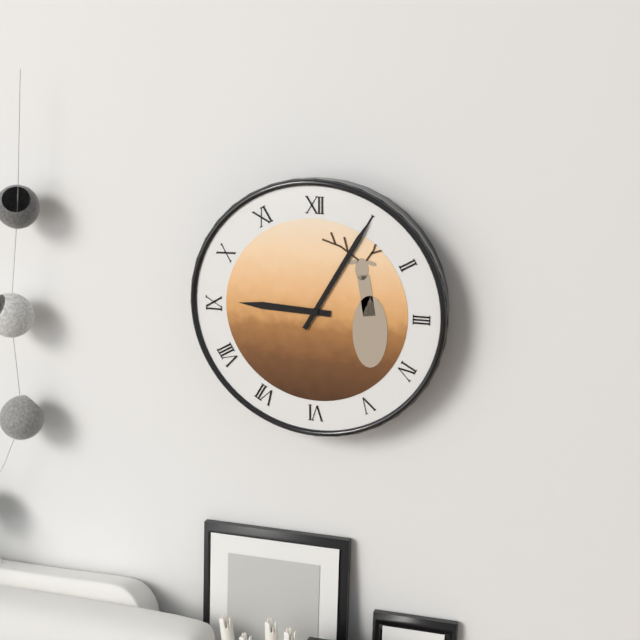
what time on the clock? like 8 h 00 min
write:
9 h 05 min
